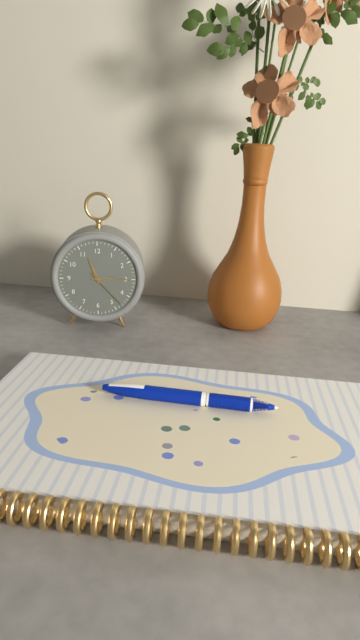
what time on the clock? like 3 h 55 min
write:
11 h 15 min
